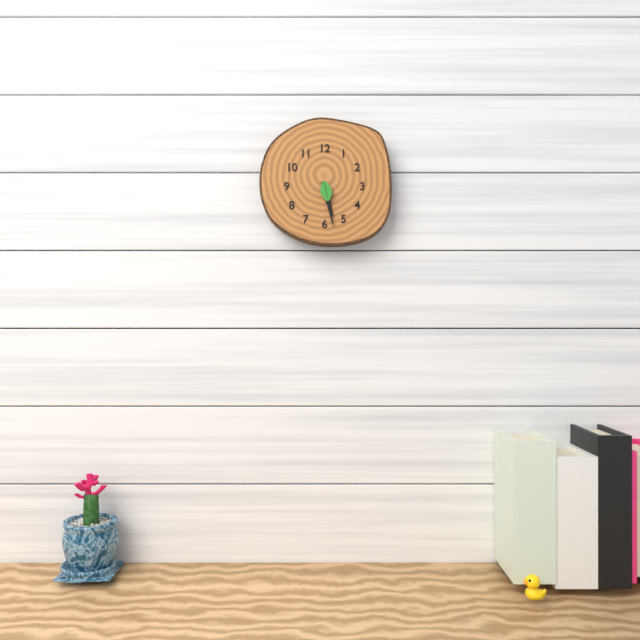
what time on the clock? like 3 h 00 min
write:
5 h 28 min
